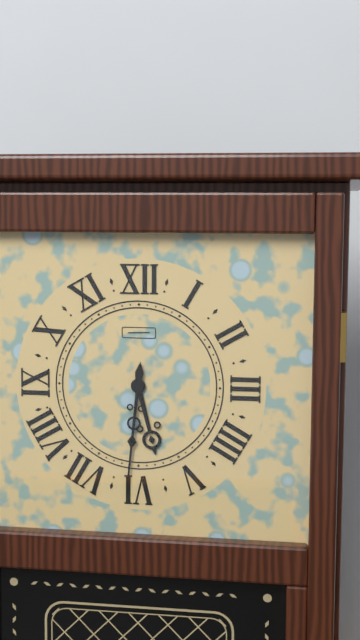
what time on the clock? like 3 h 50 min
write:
5 h 31 min
